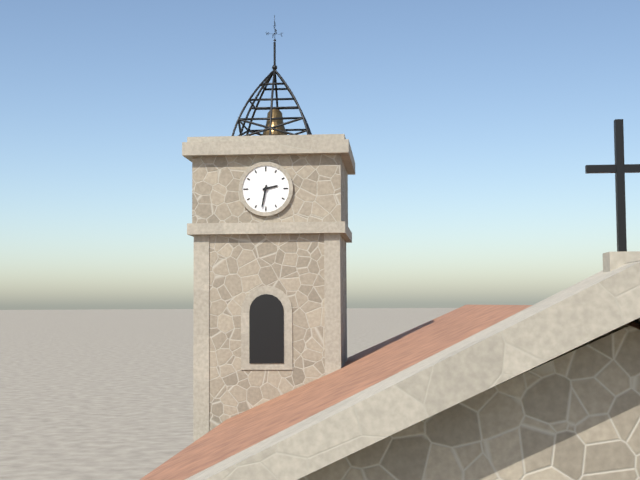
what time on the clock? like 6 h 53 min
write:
2 h 32 min
